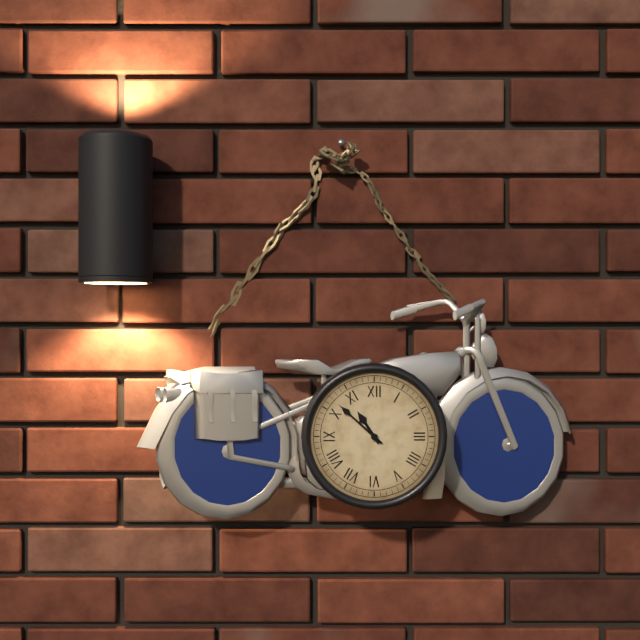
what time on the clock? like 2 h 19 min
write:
10 h 52 min
